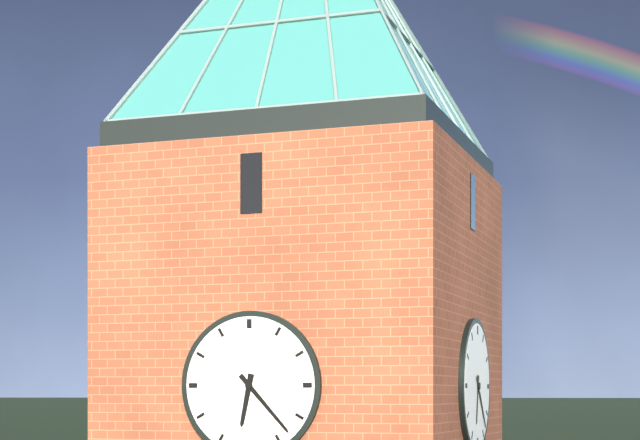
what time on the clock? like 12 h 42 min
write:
6 h 23 min
